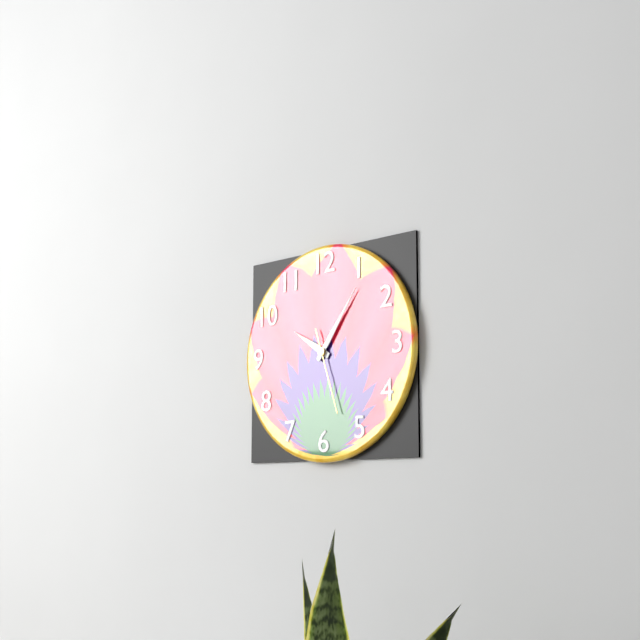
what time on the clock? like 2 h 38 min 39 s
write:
10 h 06 min 27 s
